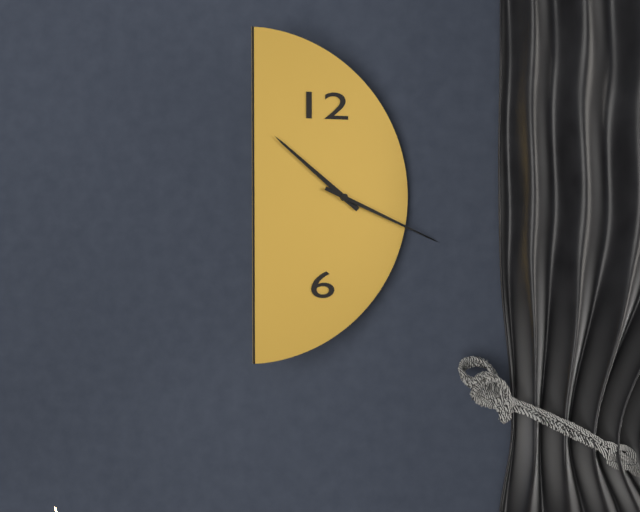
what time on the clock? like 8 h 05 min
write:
10 h 19 min
